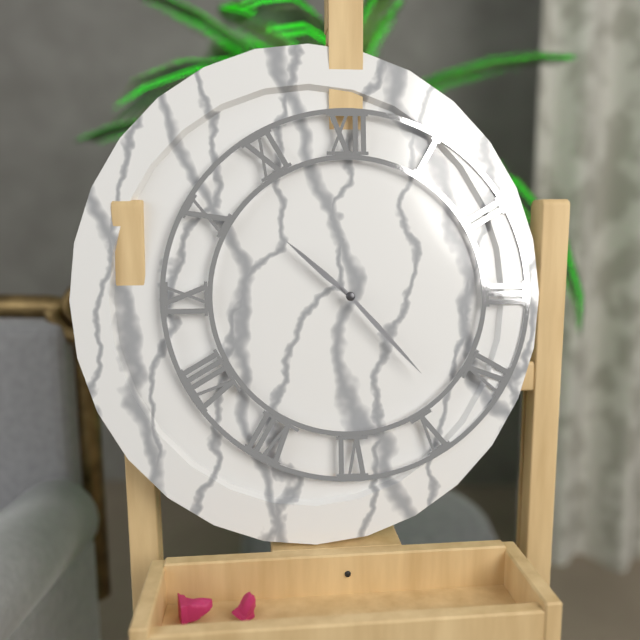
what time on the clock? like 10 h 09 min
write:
10 h 23 min
